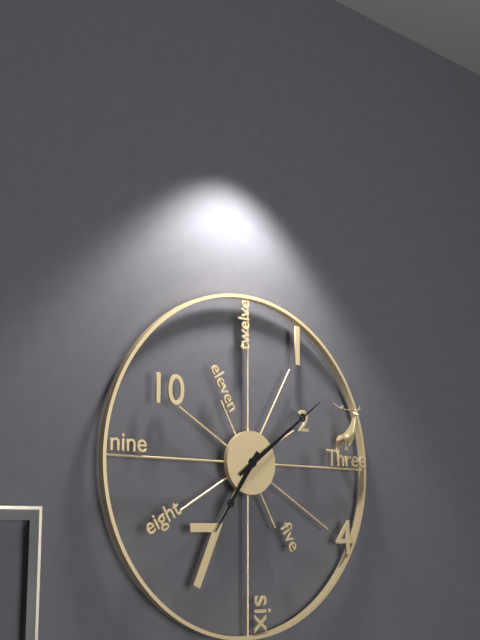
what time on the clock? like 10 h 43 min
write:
7 h 09 min
